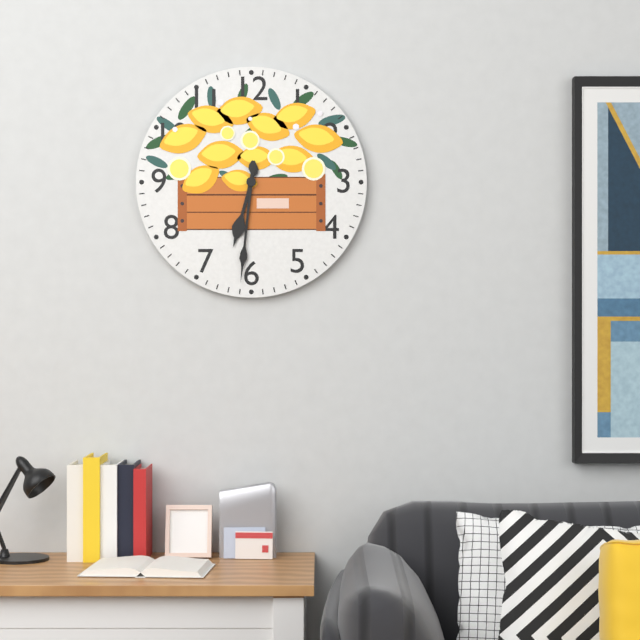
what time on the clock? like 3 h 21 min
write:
6 h 31 min
